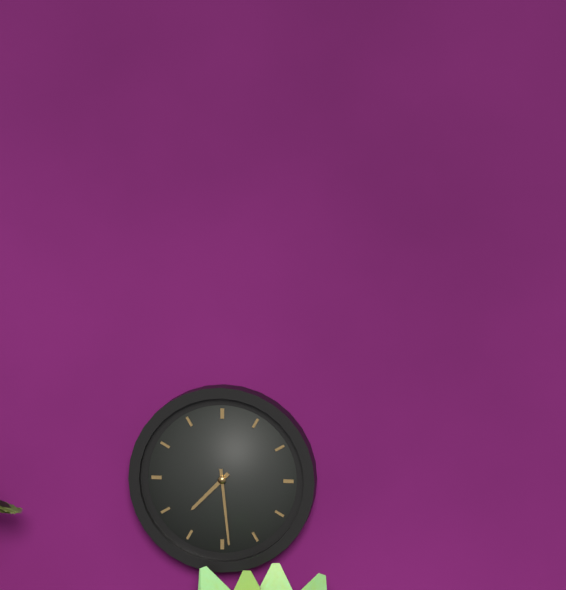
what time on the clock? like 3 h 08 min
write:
7 h 29 min
